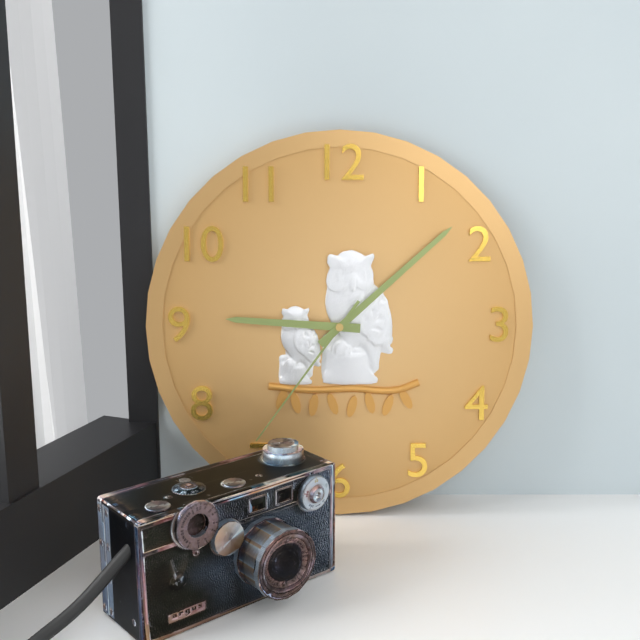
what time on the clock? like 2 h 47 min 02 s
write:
9 h 08 min 36 s
